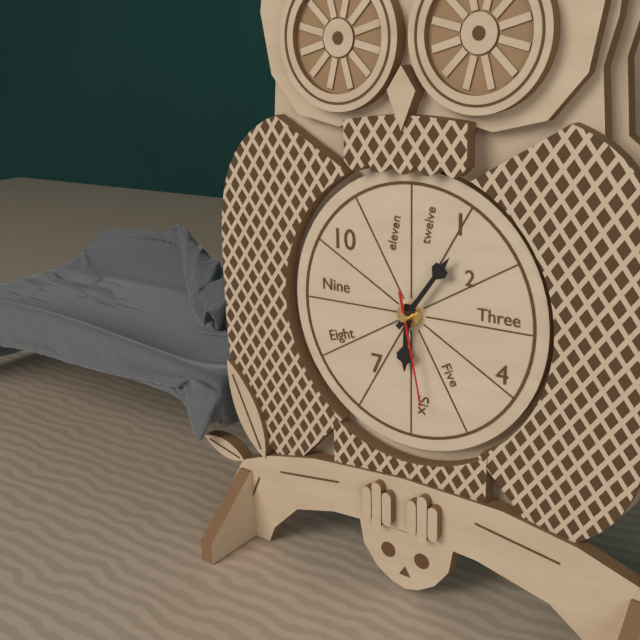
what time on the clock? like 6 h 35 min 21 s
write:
6 h 06 min 28 s
